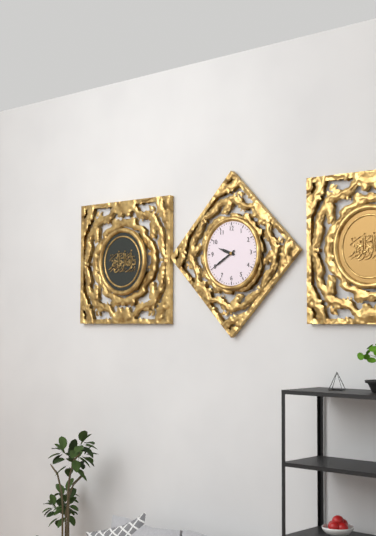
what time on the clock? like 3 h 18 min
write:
9 h 40 min
